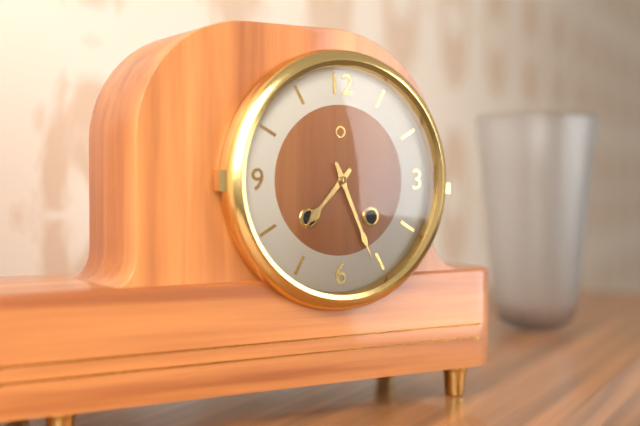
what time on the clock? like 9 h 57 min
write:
7 h 26 min
